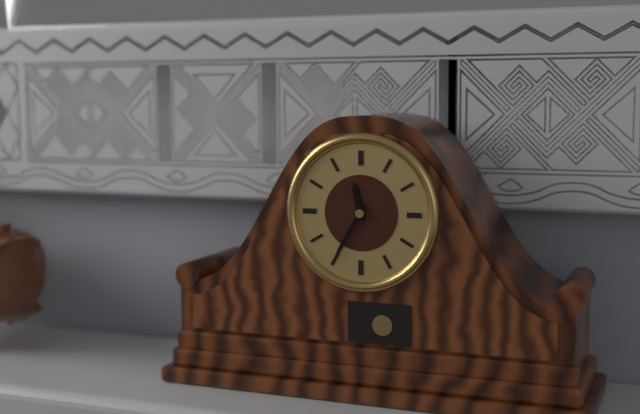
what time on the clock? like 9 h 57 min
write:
11 h 35 min
